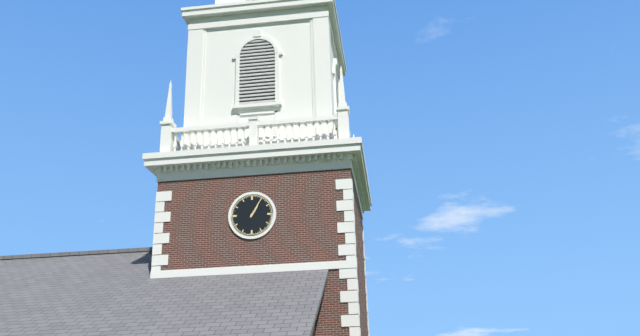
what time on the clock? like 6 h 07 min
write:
1 h 05 min
